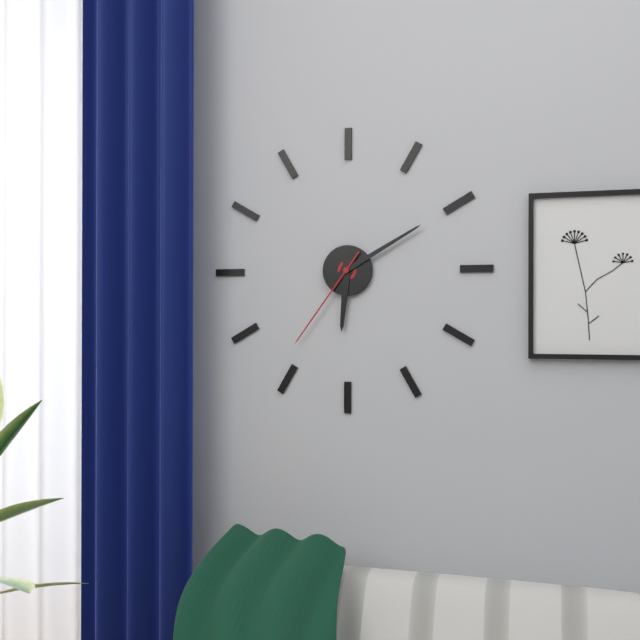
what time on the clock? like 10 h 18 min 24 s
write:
6 h 10 min 36 s
